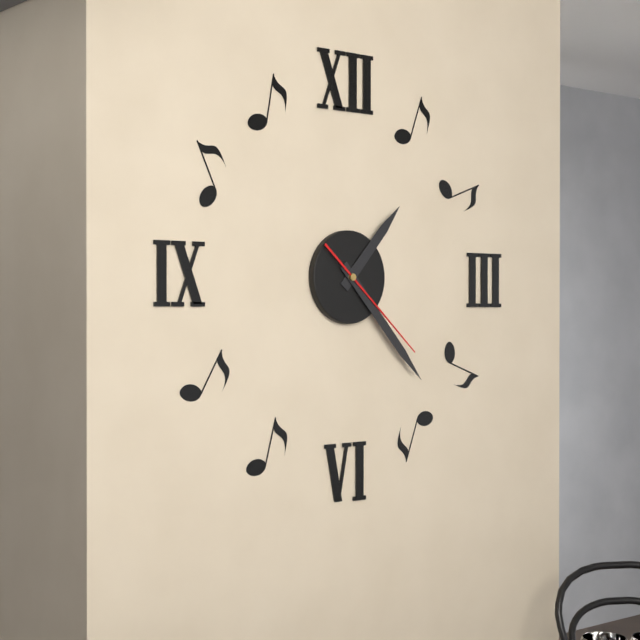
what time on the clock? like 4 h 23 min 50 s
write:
1 h 23 min 22 s
